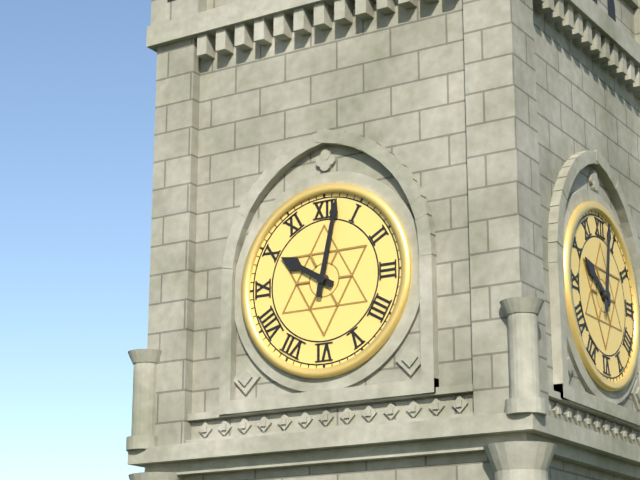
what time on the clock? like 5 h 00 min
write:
10 h 02 min
